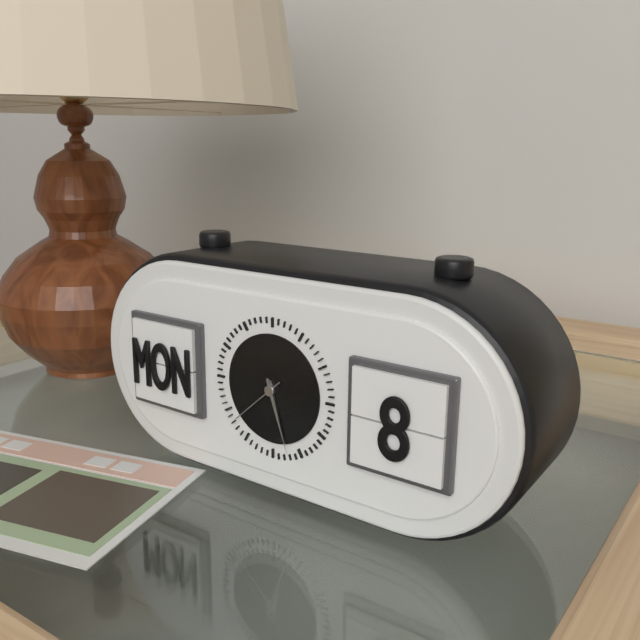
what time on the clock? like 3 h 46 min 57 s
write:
5 h 27 min 38 s
